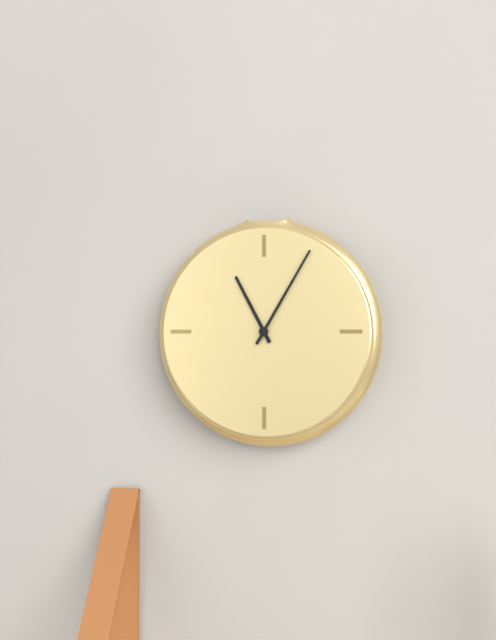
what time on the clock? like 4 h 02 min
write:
11 h 05 min
